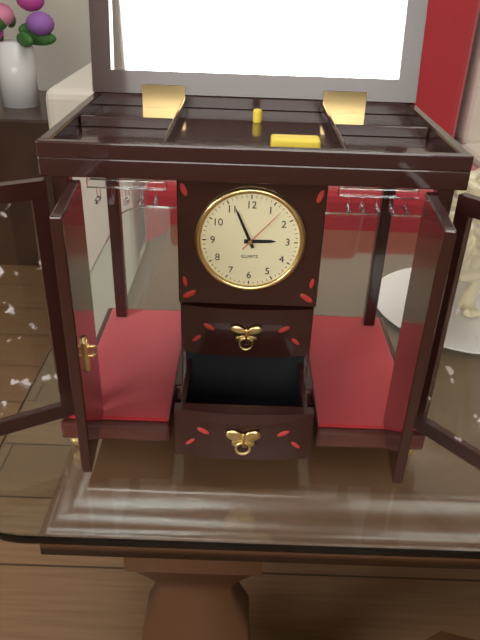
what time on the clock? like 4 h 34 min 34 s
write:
2 h 56 min 07 s
